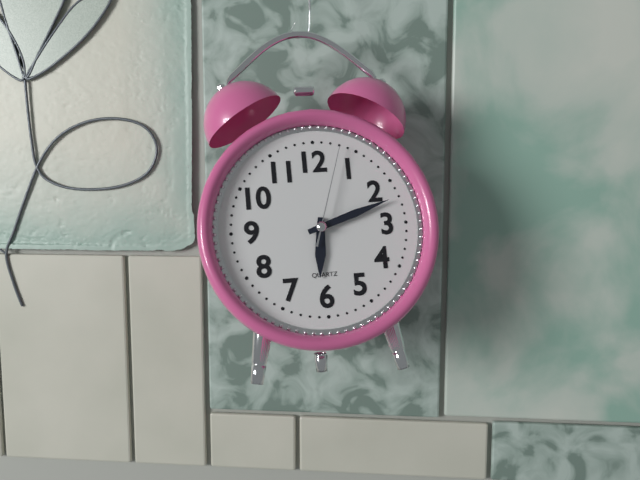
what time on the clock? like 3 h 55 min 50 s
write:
6 h 12 min 03 s
